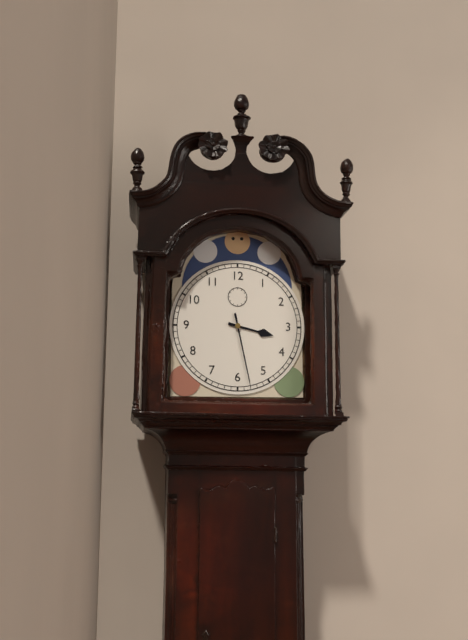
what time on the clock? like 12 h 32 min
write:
3 h 28 min
